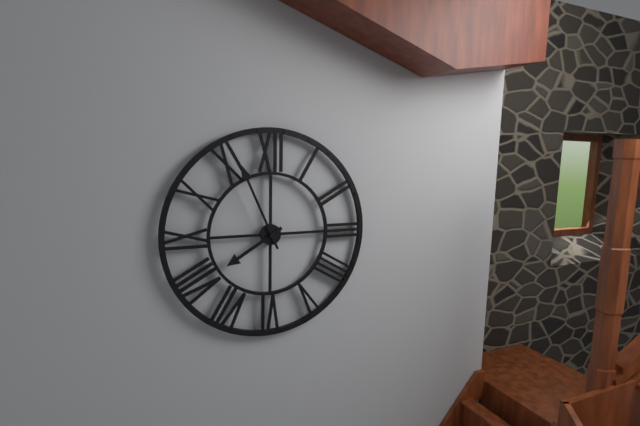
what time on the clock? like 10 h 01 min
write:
7 h 56 min
